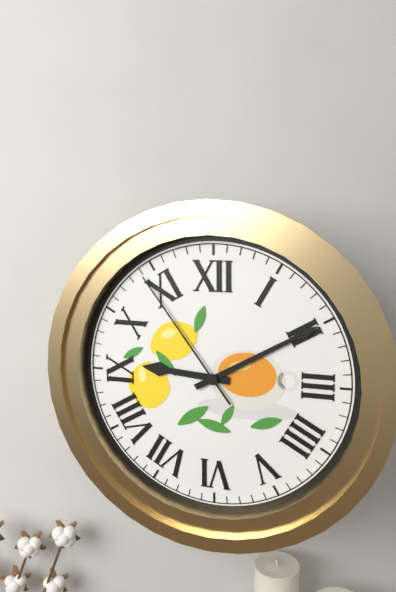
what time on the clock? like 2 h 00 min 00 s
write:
9 h 10 min 54 s
